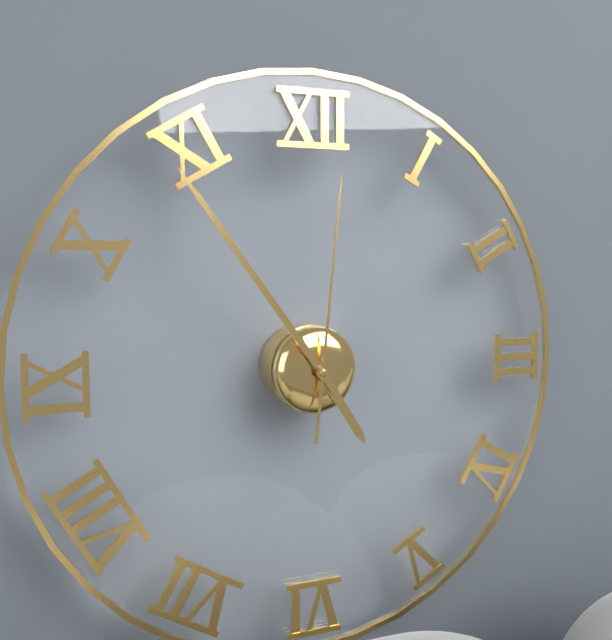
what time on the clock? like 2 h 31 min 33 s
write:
4 h 54 min 01 s
